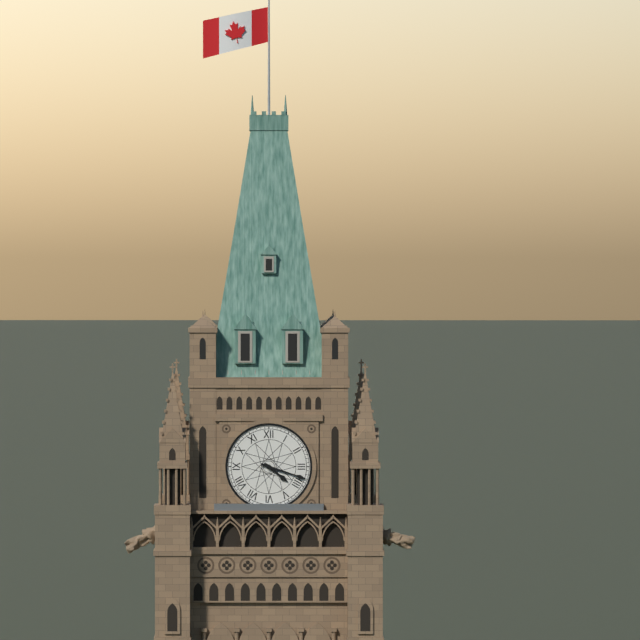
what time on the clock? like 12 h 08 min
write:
4 h 18 min
